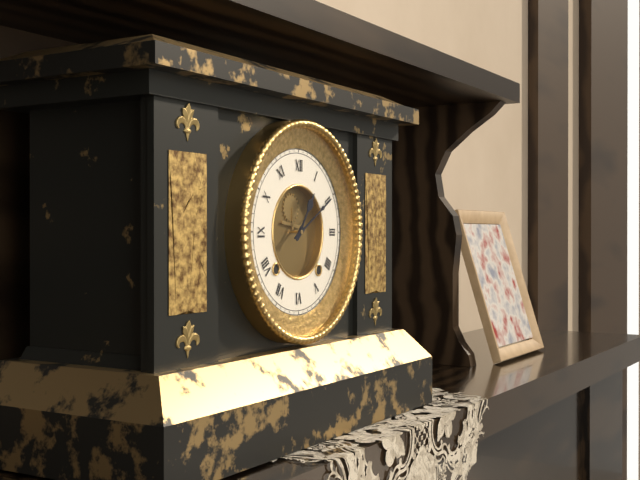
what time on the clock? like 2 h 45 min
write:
1 h 10 min
